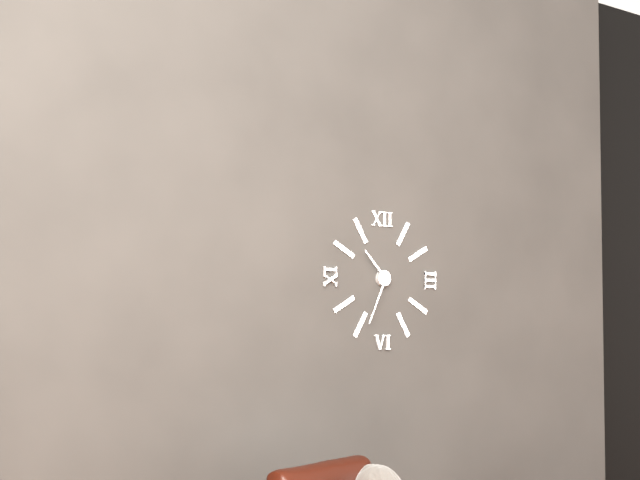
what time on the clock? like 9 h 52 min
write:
10 h 34 min
